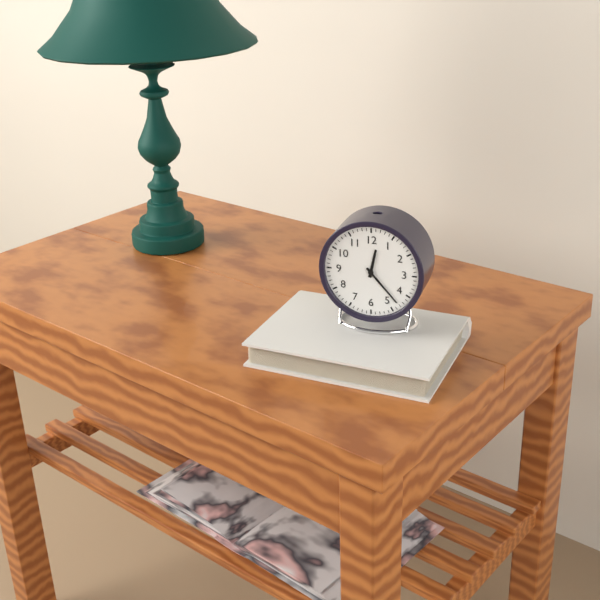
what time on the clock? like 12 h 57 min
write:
12 h 23 min
